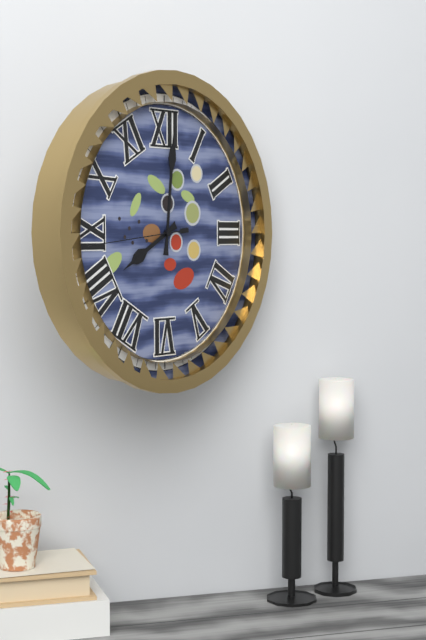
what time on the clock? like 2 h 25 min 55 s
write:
8 h 01 min 44 s
